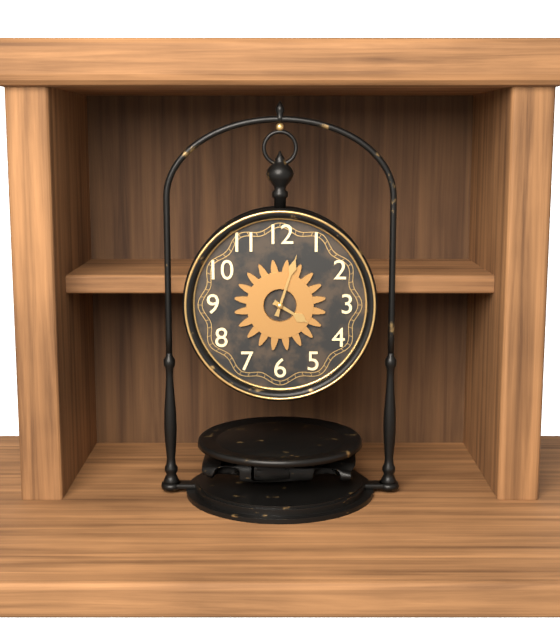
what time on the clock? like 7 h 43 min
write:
4 h 03 min
